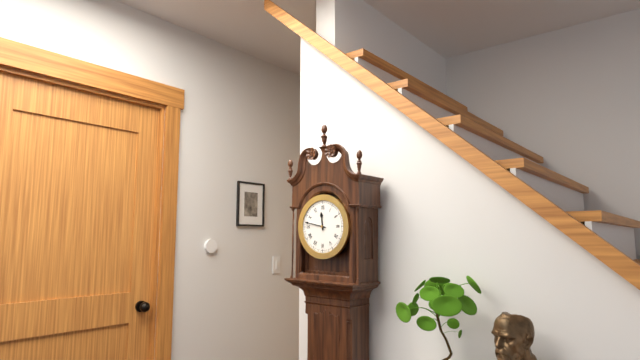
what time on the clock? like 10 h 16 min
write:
11 h 47 min
